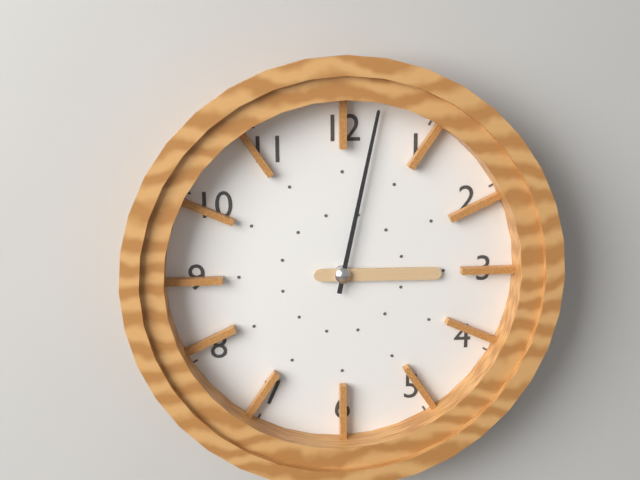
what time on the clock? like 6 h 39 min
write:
3 h 02 min
